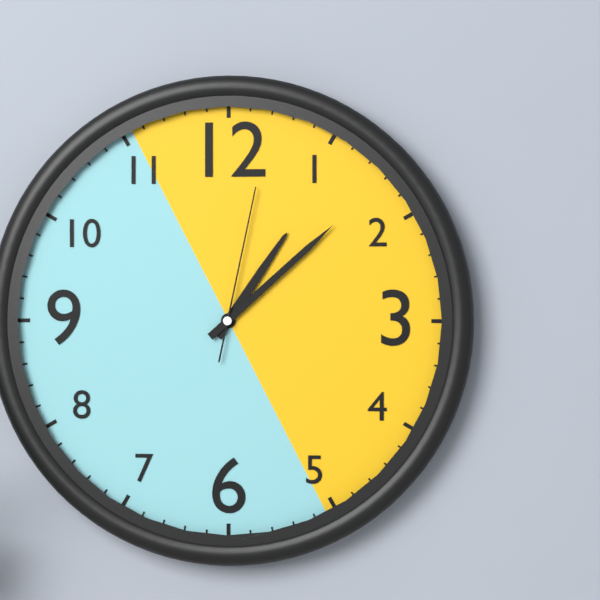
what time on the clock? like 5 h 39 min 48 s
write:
1 h 08 min 02 s
